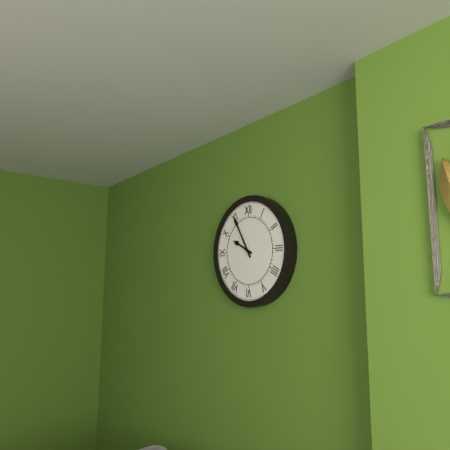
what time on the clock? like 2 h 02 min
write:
9 h 55 min
